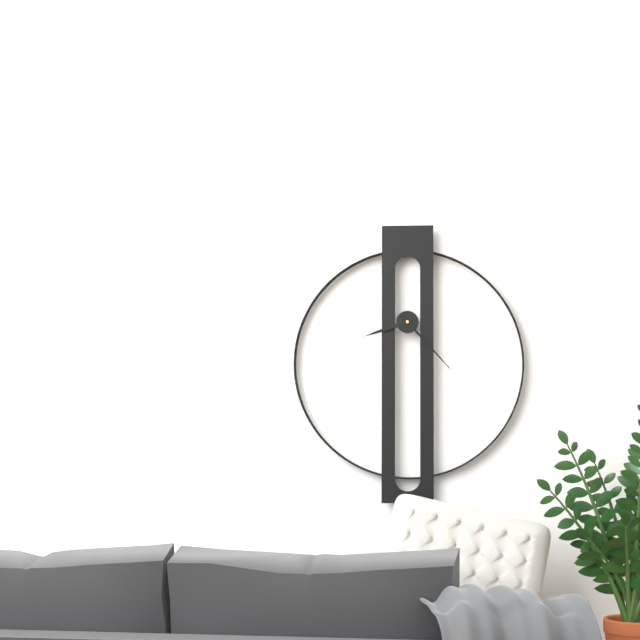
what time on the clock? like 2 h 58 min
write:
8 h 23 min
